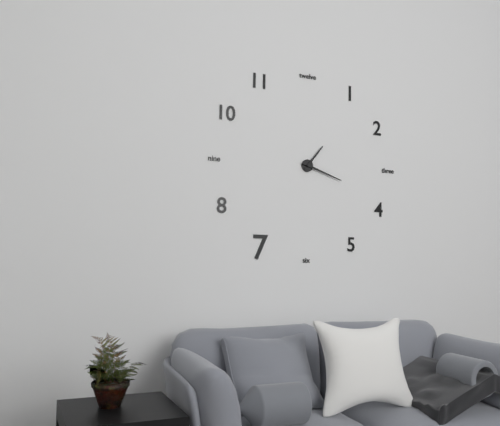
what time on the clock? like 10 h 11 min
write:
1 h 18 min
